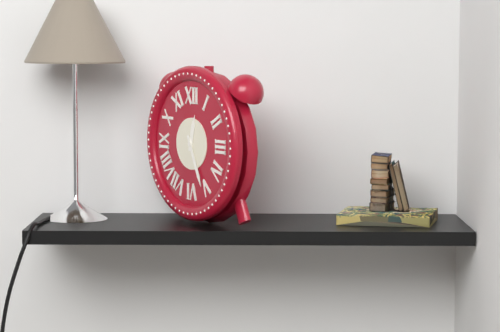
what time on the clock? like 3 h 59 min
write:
12 h 26 min
